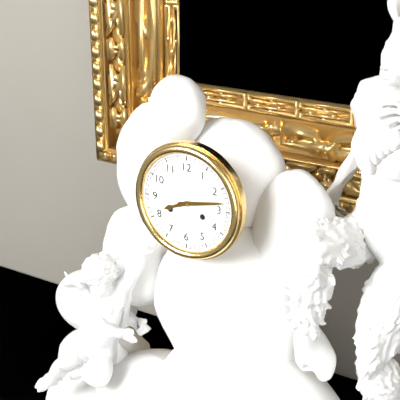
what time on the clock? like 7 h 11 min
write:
8 h 13 min
